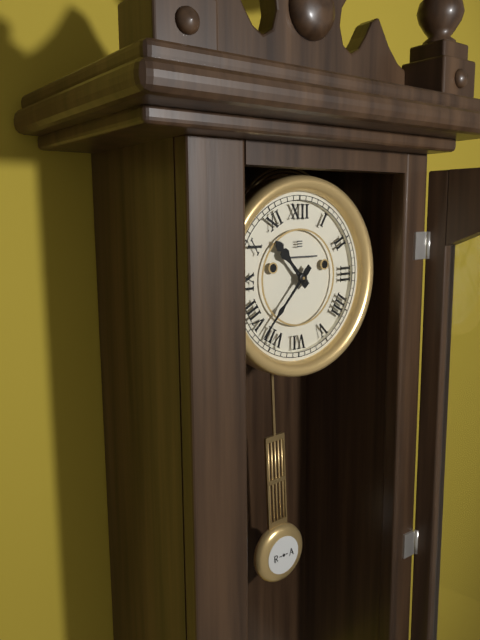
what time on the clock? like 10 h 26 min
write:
10 h 37 min
